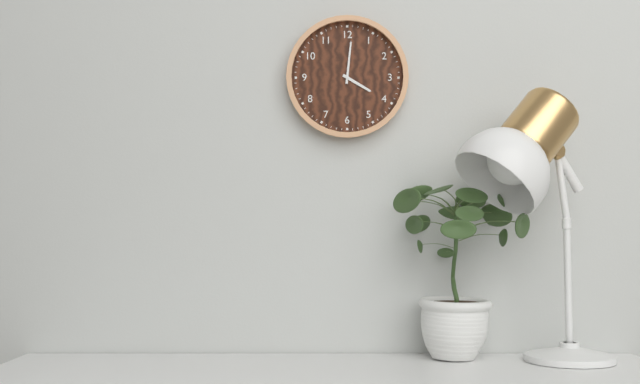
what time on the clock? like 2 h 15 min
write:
4 h 01 min
